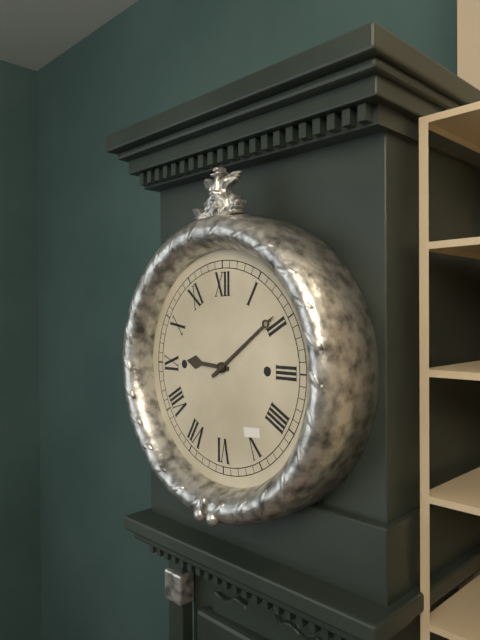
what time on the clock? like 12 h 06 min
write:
9 h 09 min
